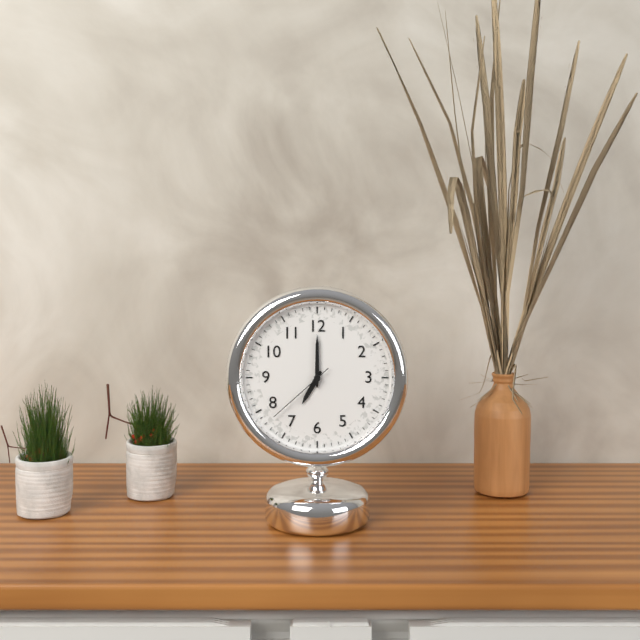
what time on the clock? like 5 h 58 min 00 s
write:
7 h 00 min 38 s
